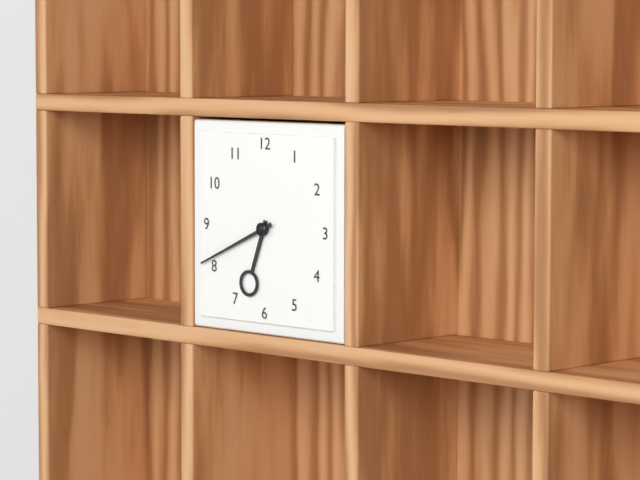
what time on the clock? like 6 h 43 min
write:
6 h 41 min
